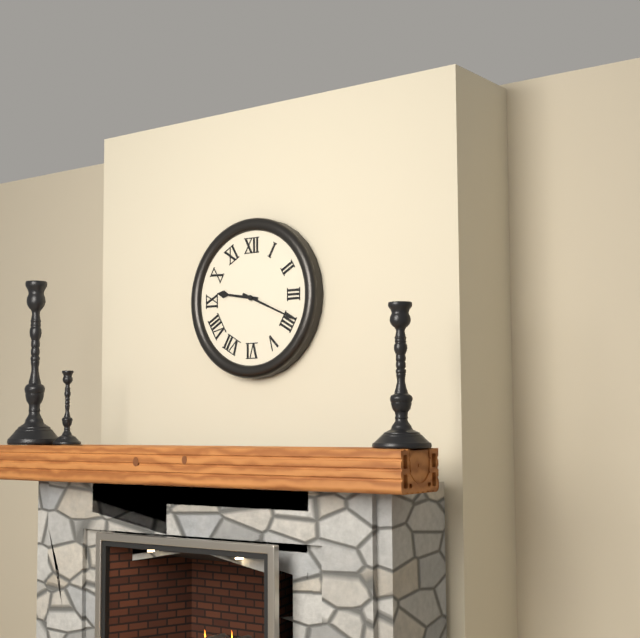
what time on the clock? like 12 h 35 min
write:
9 h 19 min
